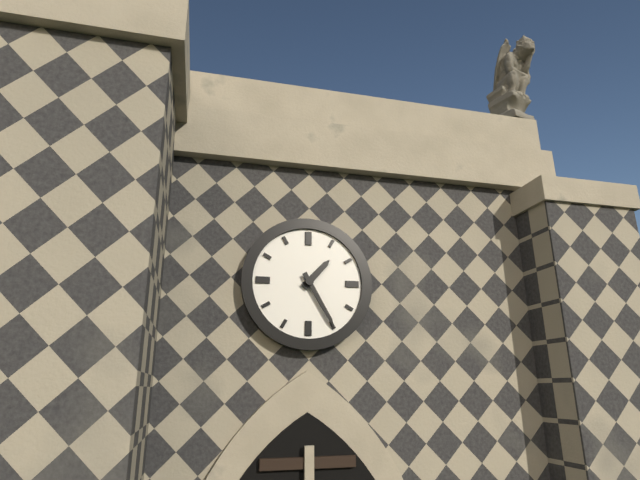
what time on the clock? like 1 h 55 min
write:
1 h 25 min
